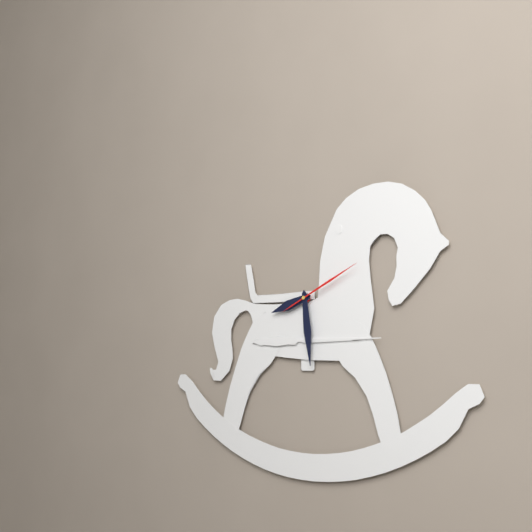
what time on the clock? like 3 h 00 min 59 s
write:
8 h 29 min 11 s
